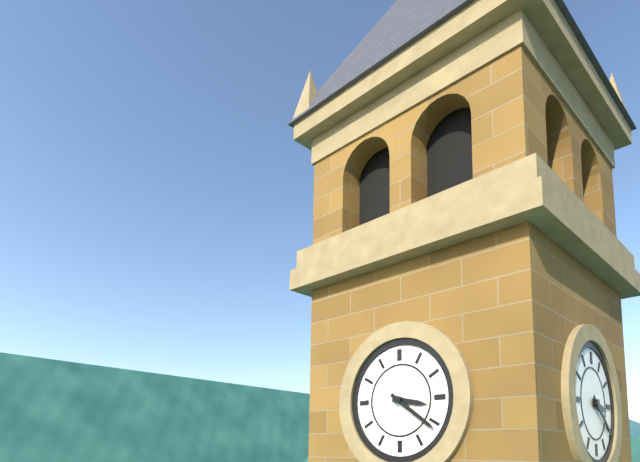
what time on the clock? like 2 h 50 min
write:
3 h 21 min
